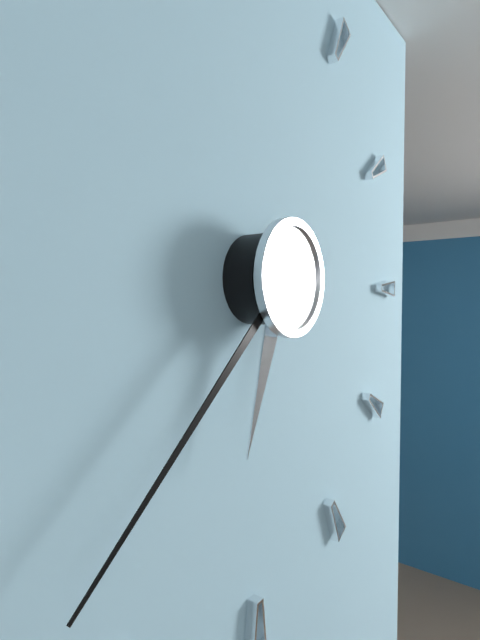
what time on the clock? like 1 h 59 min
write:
6 h 38 min
